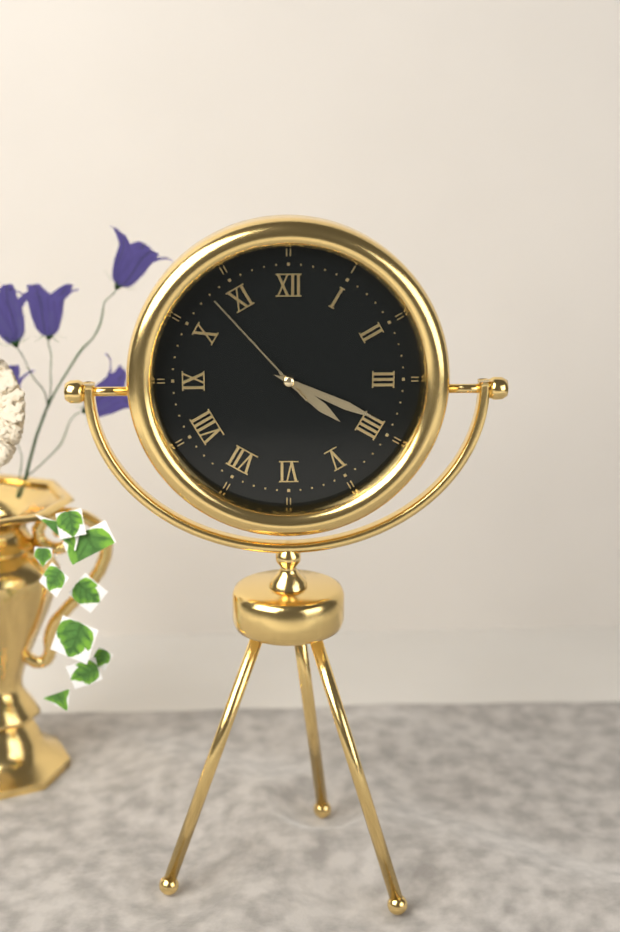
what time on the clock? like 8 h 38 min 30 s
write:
4 h 19 min 53 s
